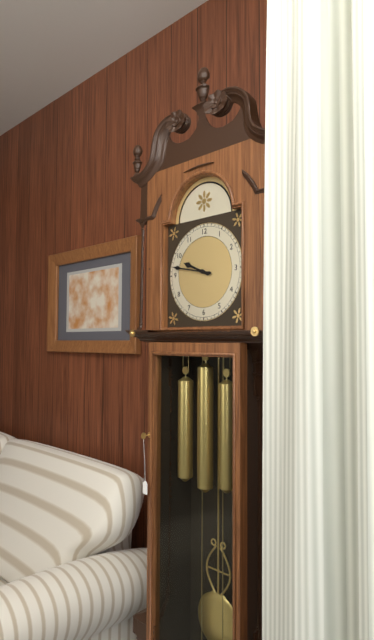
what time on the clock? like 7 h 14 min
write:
9 h 47 min
